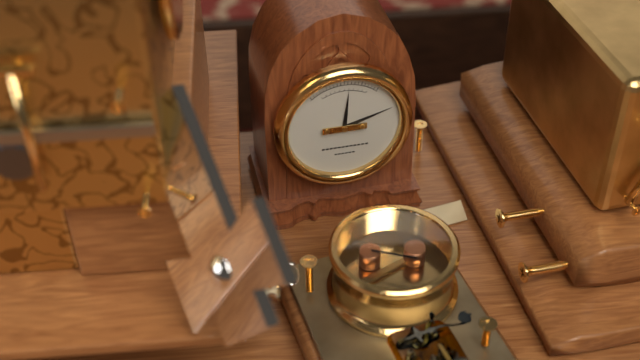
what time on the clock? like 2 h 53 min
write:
12 h 12 min
